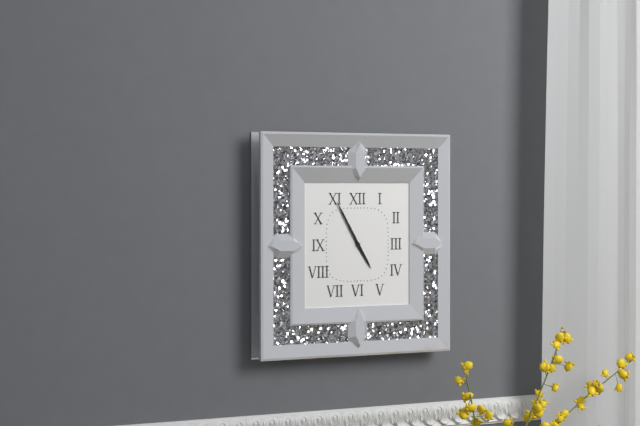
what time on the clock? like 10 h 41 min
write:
4 h 55 min
